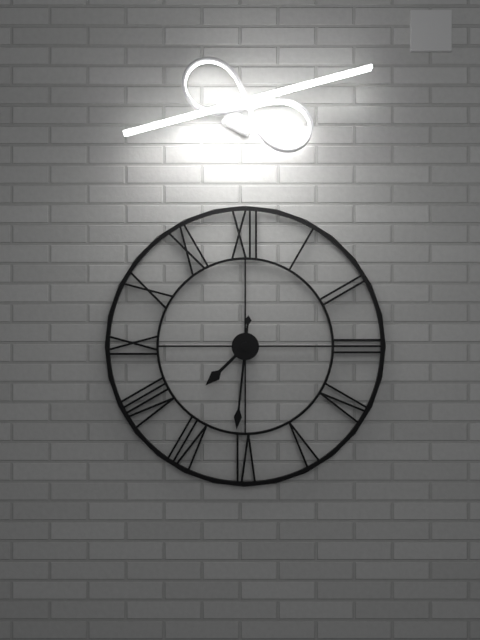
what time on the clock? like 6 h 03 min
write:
7 h 31 min
